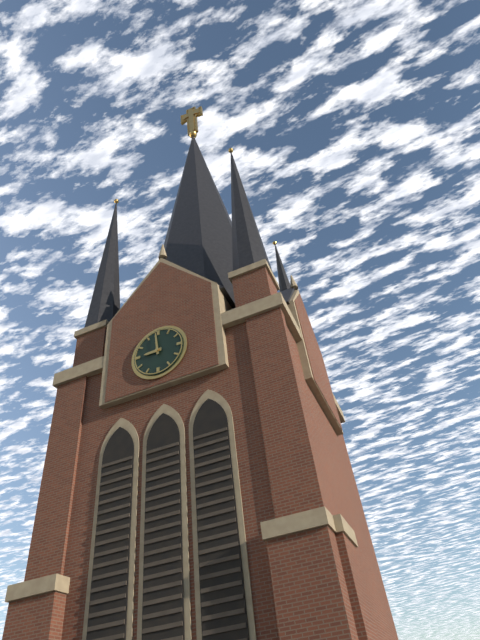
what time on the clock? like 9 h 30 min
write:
8 h 59 min
